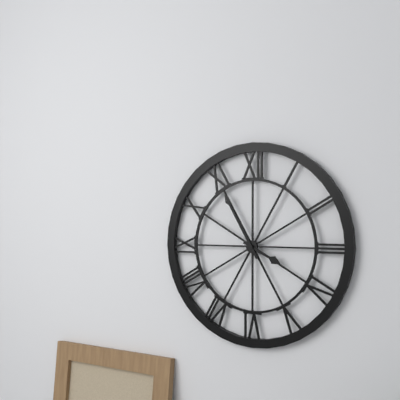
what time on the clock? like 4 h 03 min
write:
3 h 55 min
